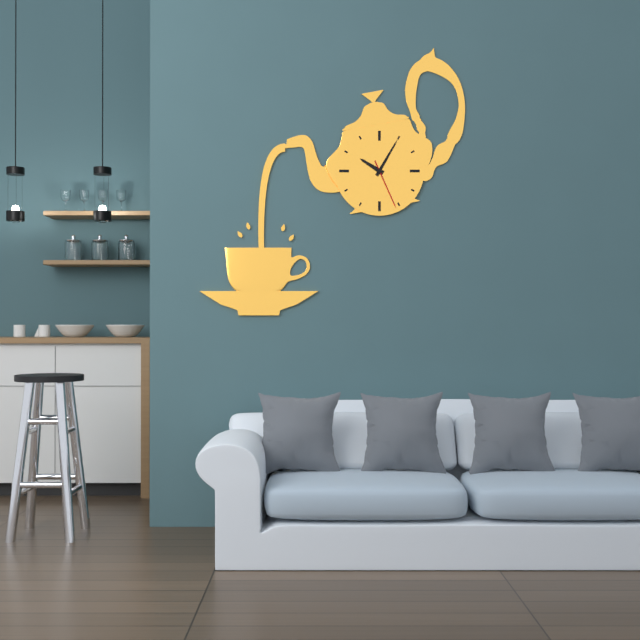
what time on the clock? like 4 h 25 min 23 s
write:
10 h 05 min 26 s
